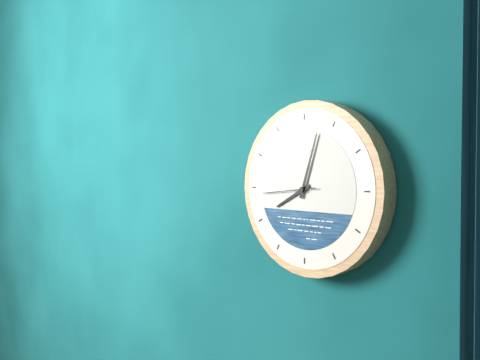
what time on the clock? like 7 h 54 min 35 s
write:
8 h 03 min 44 s
